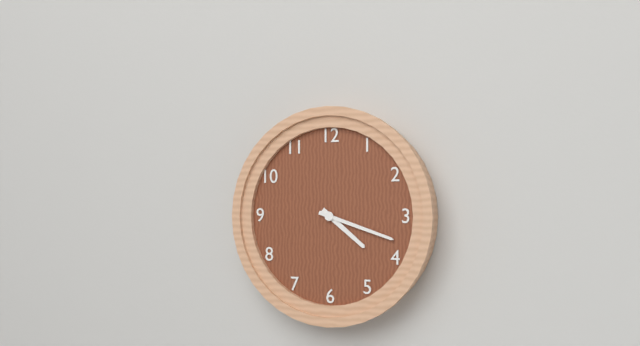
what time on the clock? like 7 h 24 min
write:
4 h 18 min
